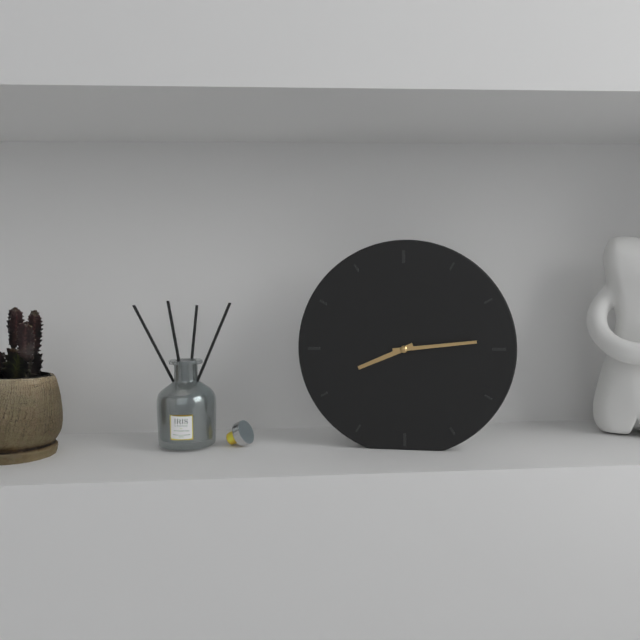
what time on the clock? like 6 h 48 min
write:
8 h 14 min
